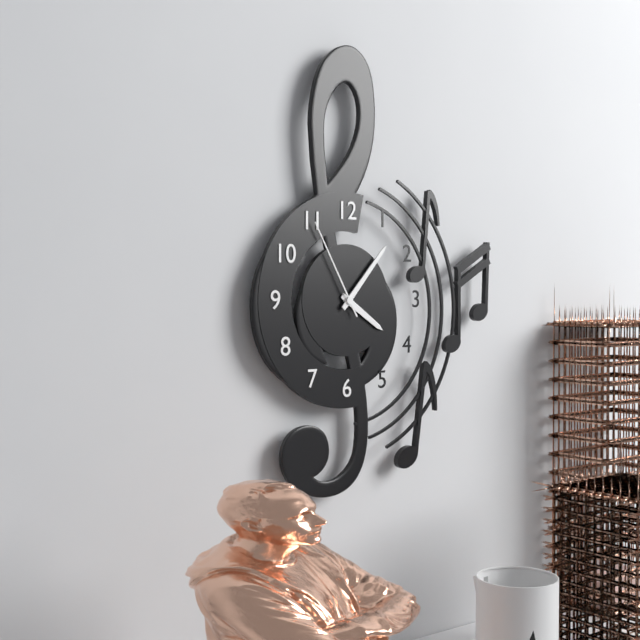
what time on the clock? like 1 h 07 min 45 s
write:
4 h 07 min 55 s
